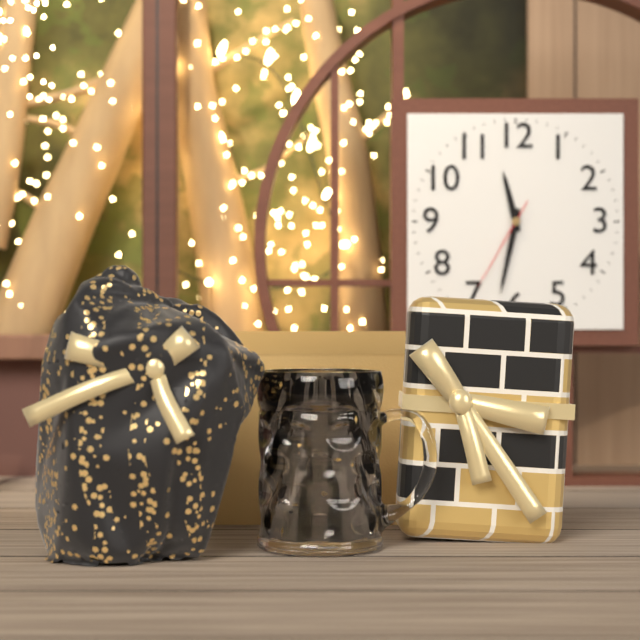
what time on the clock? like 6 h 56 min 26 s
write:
11 h 32 min 35 s
